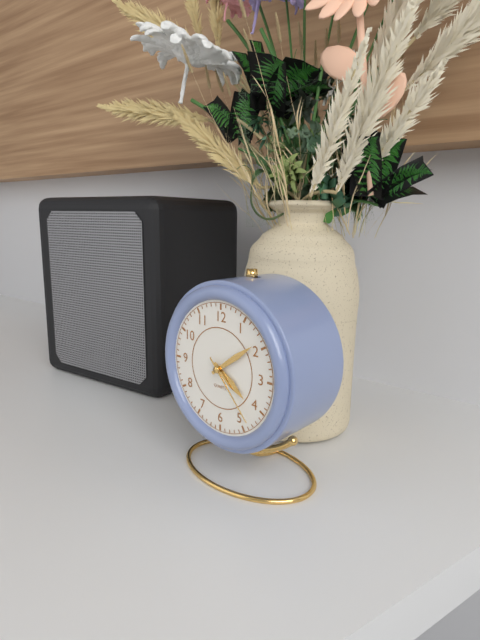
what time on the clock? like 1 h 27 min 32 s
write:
4 h 09 min 23 s
